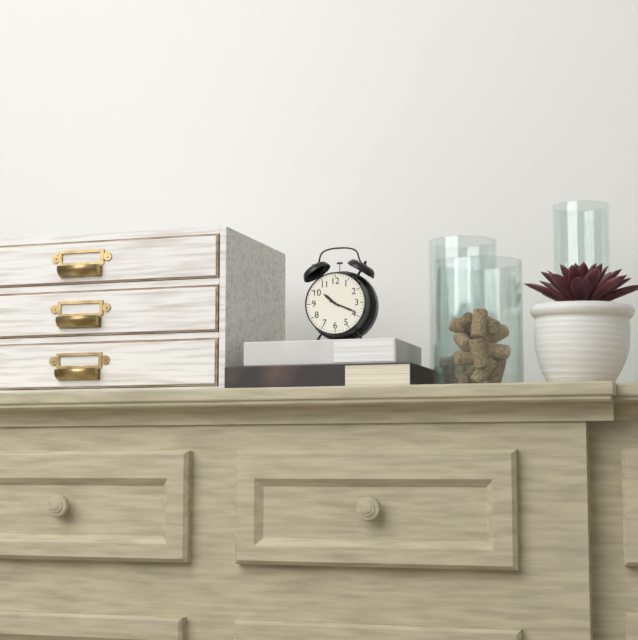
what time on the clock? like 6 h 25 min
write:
10 h 19 min
